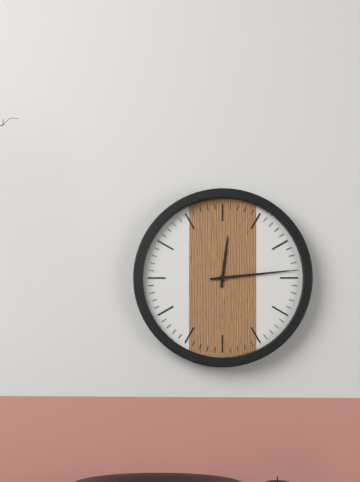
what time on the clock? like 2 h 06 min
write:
12 h 14 min
